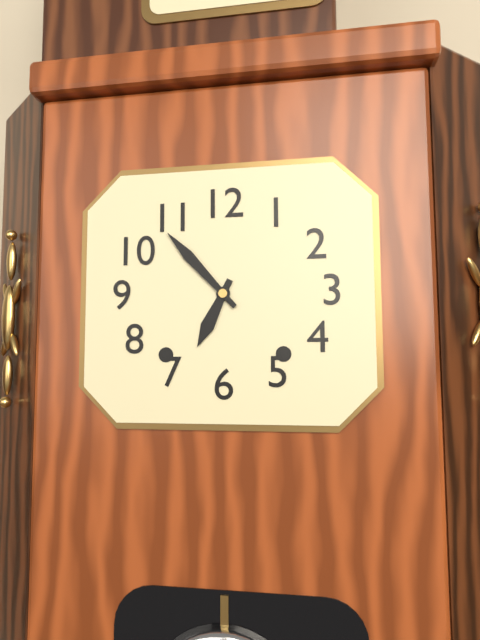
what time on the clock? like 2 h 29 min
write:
6 h 53 min
